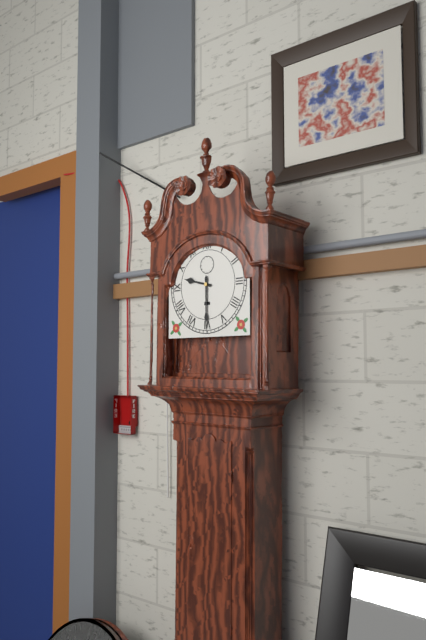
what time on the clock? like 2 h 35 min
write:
9 h 30 min
